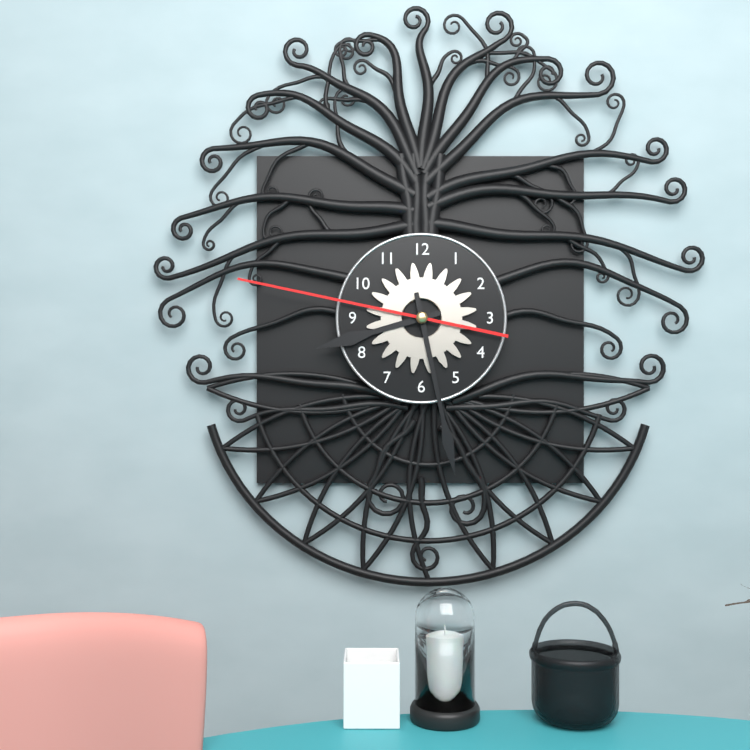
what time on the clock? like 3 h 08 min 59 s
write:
8 h 28 min 47 s
